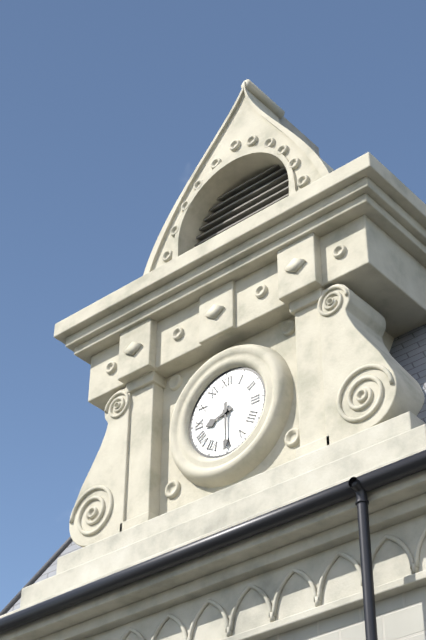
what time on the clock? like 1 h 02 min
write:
8 h 30 min
